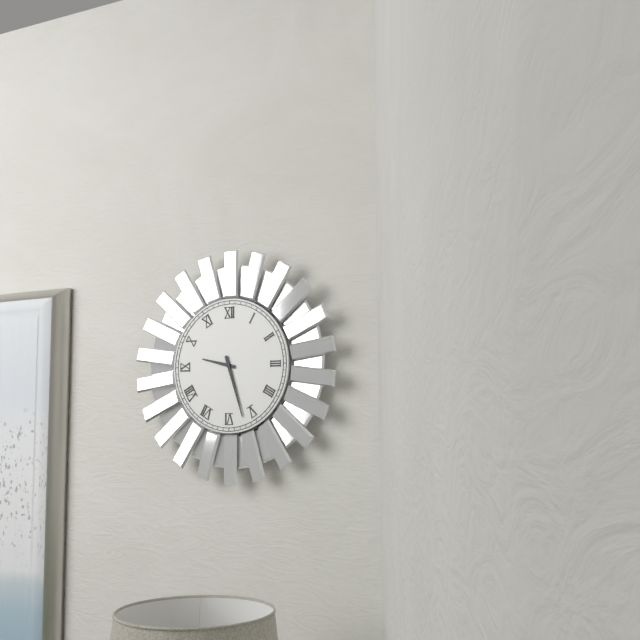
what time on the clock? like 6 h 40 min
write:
9 h 27 min
